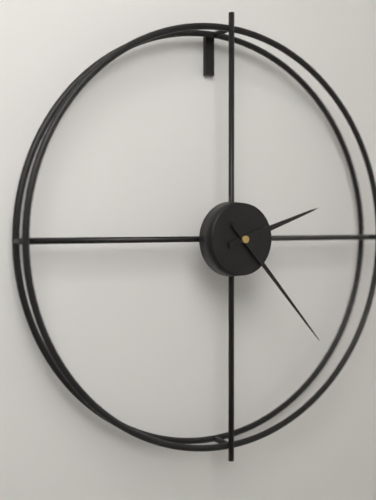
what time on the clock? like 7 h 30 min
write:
2 h 23 min
